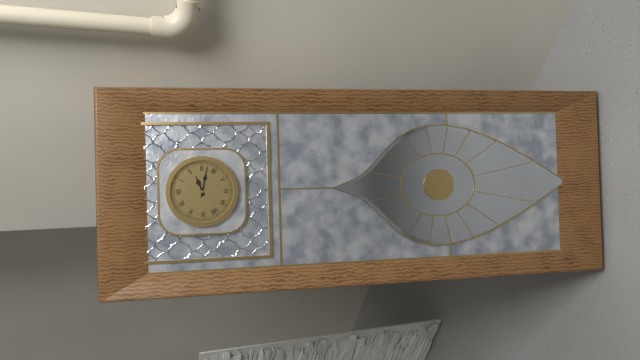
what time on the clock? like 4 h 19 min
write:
2 h 17 min
